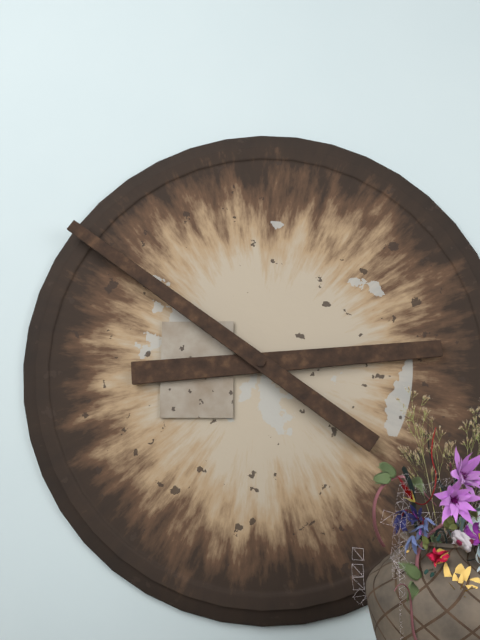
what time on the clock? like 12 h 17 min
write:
2 h 51 min
